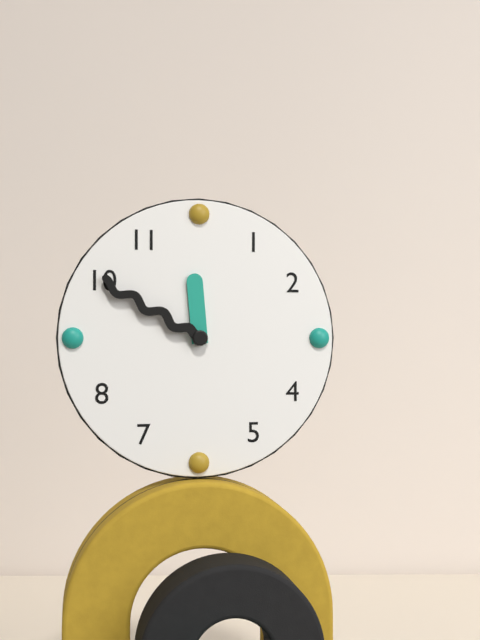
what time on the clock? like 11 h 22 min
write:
11 h 50 min
